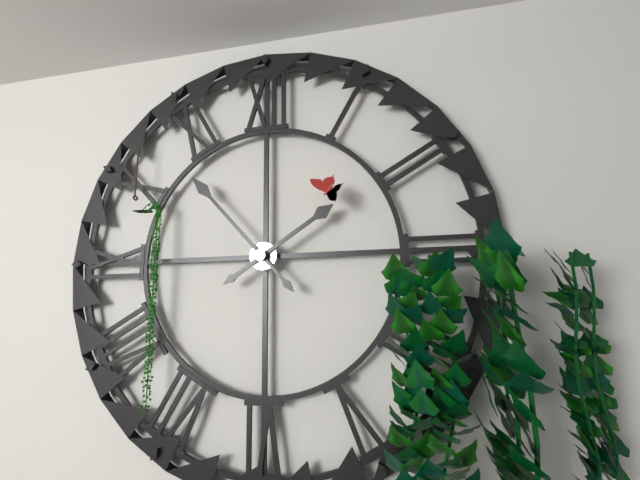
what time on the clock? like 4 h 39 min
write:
1 h 53 min
